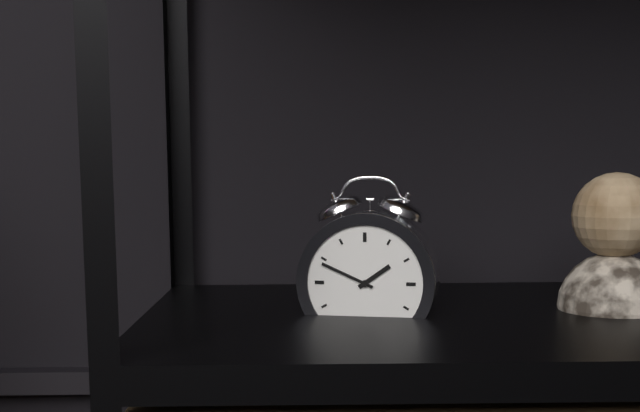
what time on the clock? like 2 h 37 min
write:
1 h 49 min
